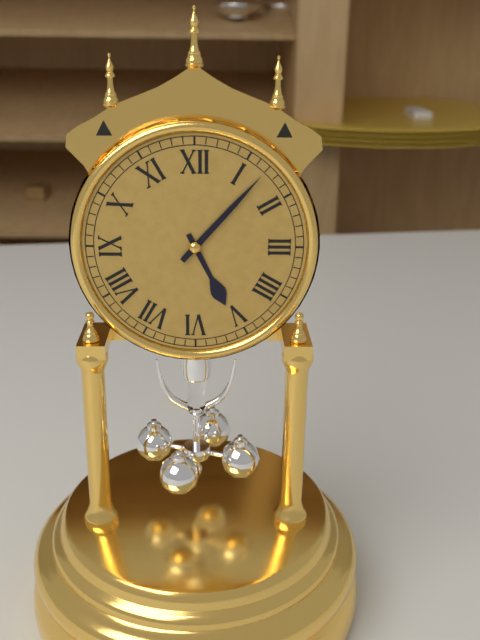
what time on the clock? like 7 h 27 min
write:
5 h 07 min
